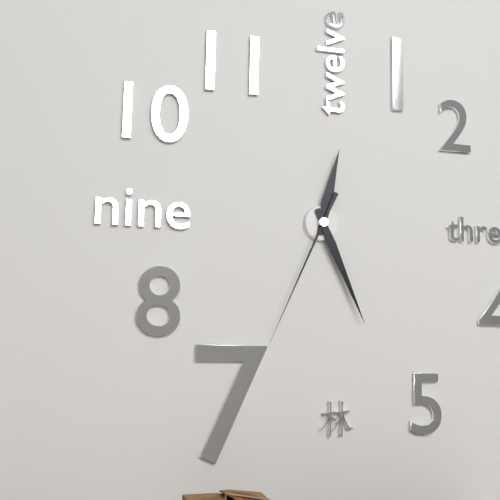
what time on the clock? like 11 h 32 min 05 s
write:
12 h 26 min 34 s
